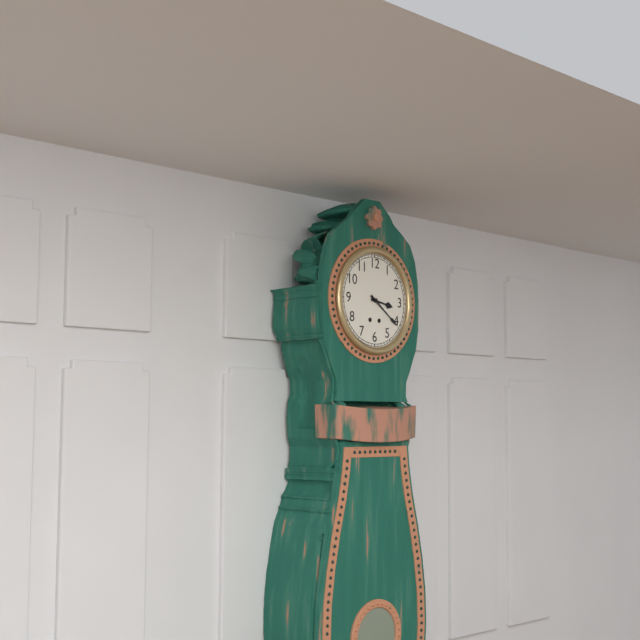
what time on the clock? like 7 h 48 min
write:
3 h 21 min
